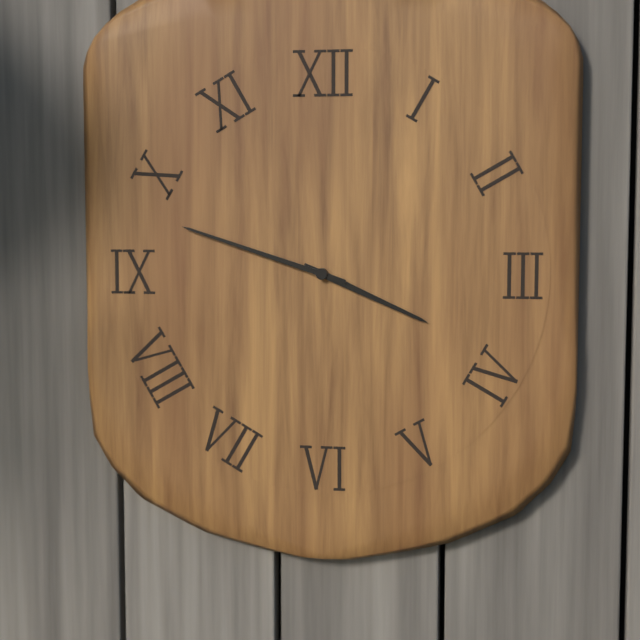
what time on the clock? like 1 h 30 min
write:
3 h 48 min
